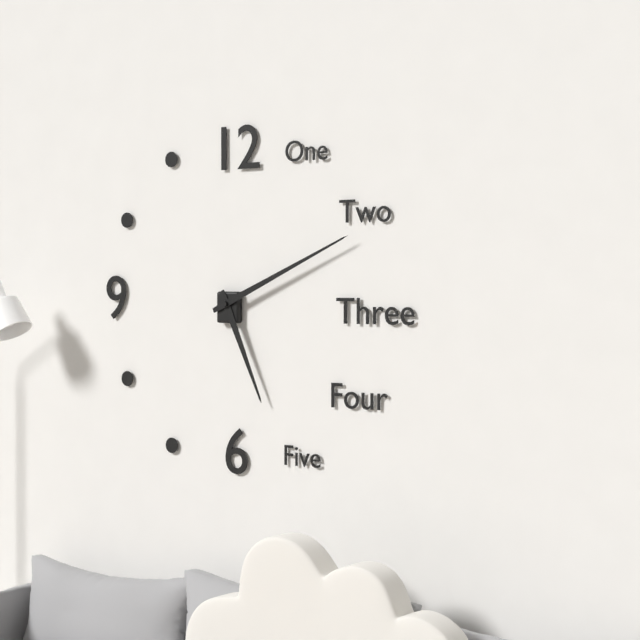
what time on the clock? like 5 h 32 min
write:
5 h 11 min
